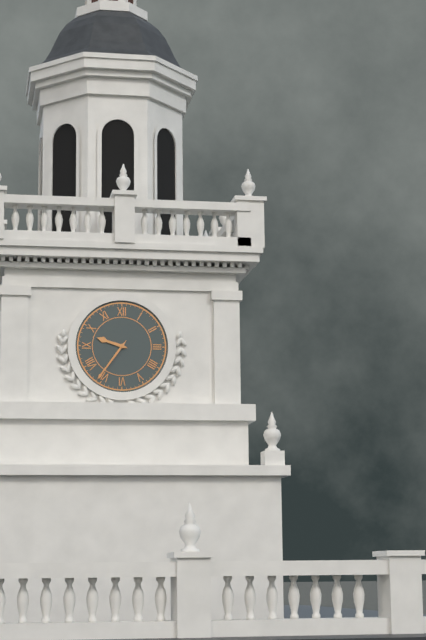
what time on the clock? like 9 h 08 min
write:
9 h 36 min
